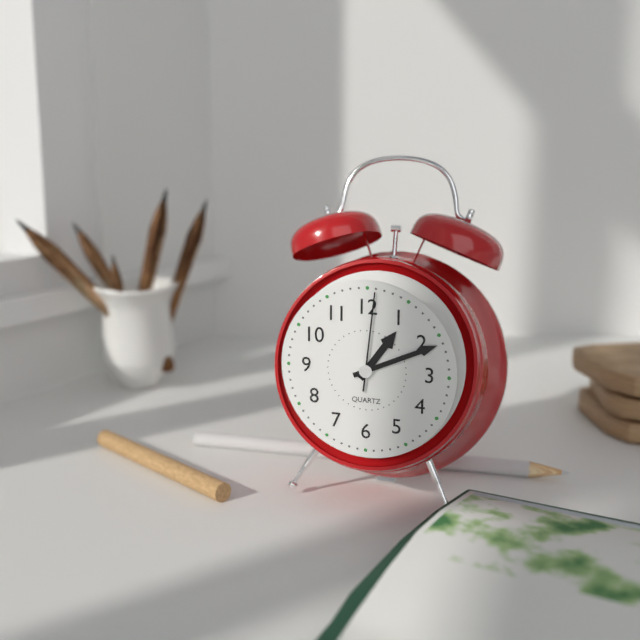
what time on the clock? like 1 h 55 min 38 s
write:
1 h 11 min 01 s
